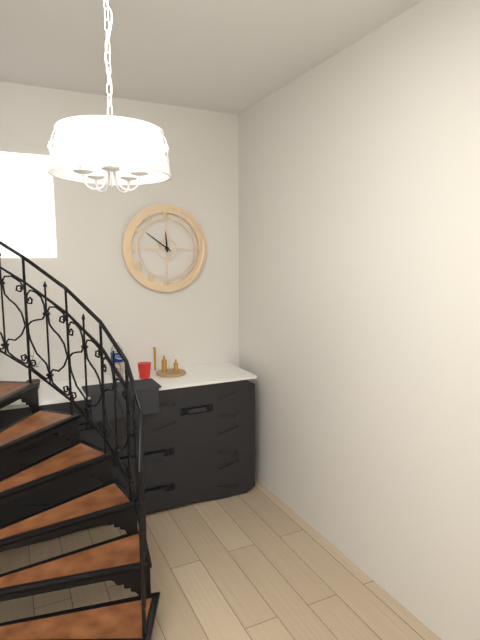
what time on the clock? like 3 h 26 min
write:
11 h 51 min
